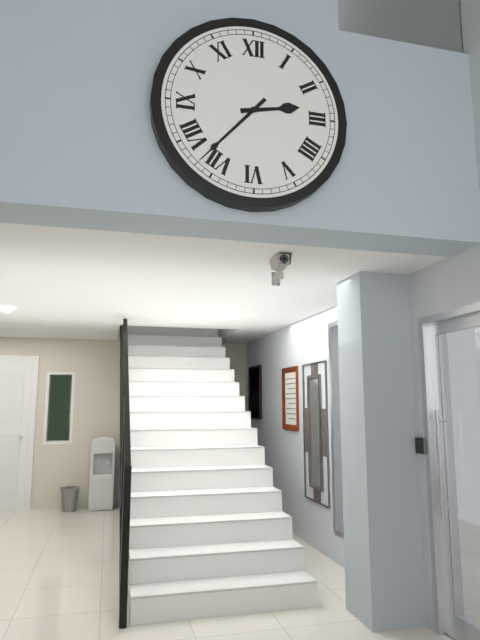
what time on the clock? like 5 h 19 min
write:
2 h 37 min
